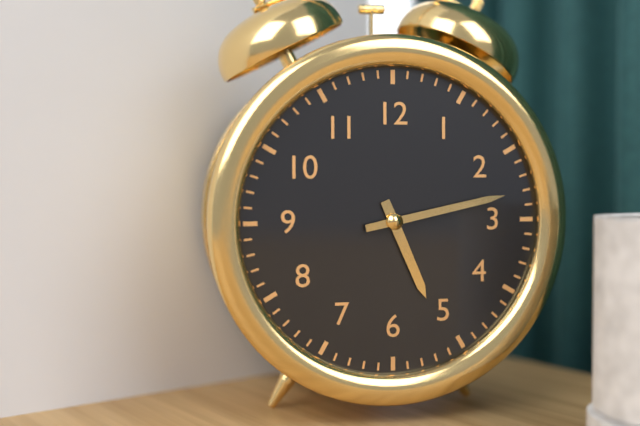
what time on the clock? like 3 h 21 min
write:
5 h 13 min
